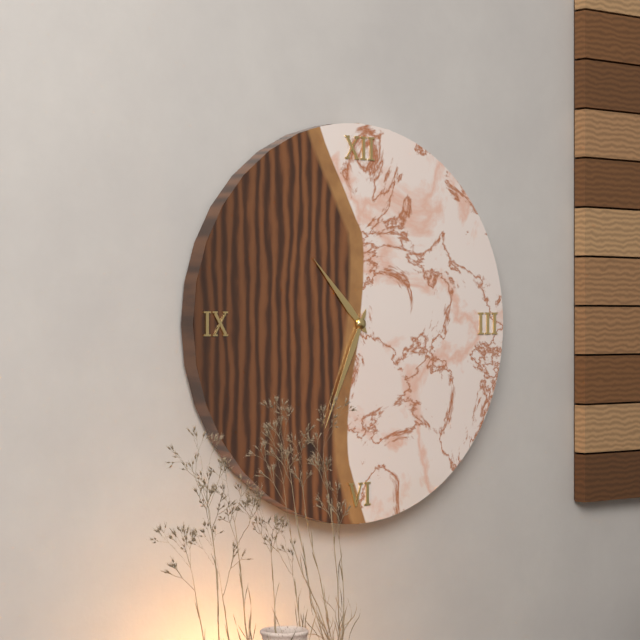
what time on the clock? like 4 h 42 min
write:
10 h 34 min
